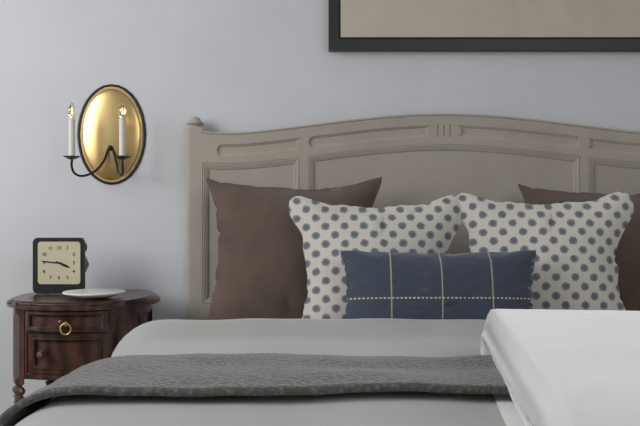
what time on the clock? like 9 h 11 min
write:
3 h 46 min
